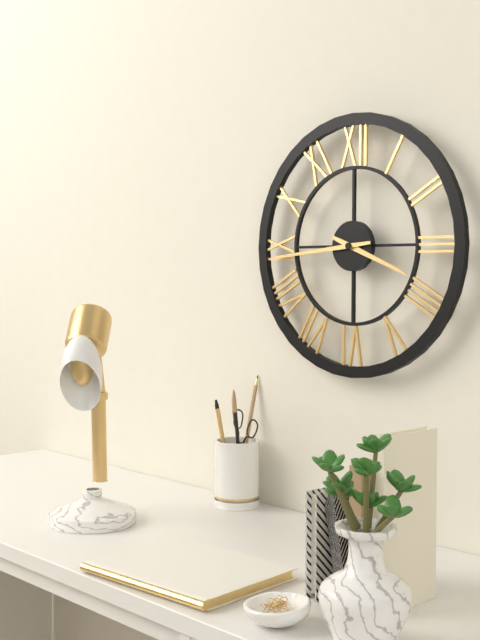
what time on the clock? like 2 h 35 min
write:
3 h 44 min
